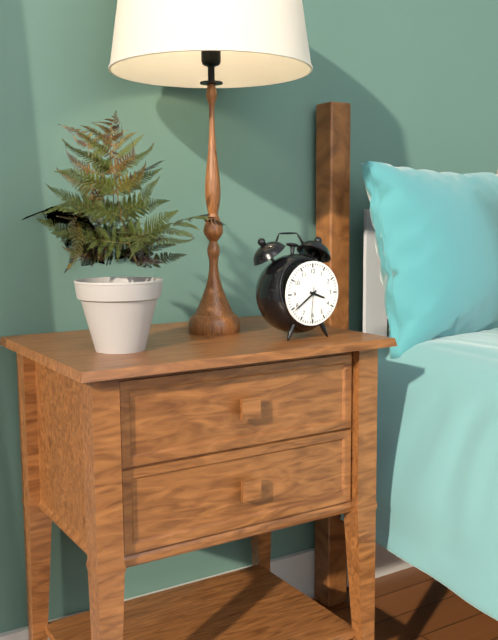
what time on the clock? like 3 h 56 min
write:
3 h 39 min
